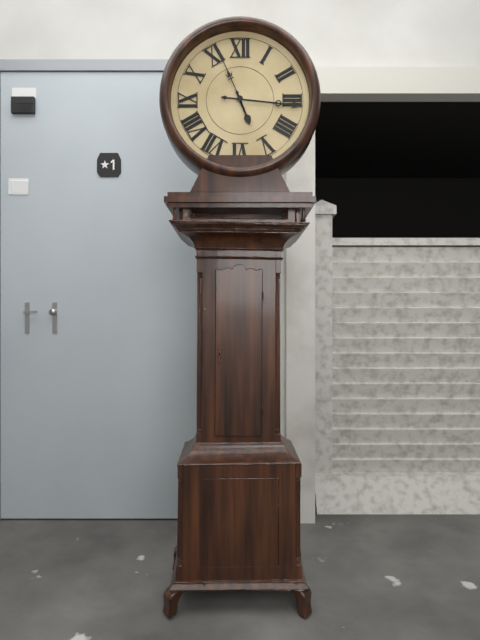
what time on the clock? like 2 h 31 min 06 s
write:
5 h 16 min 56 s
